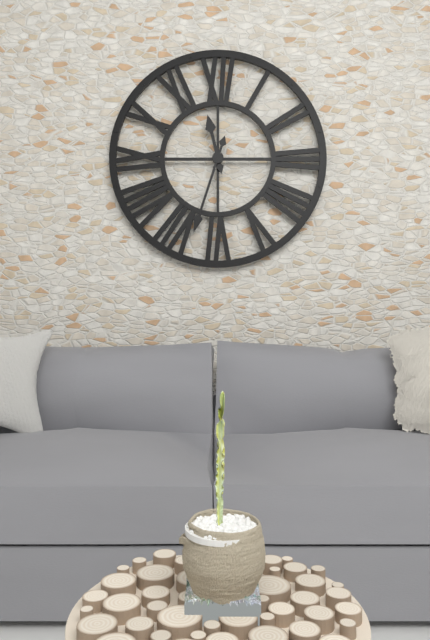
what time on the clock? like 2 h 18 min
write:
11 h 33 min
